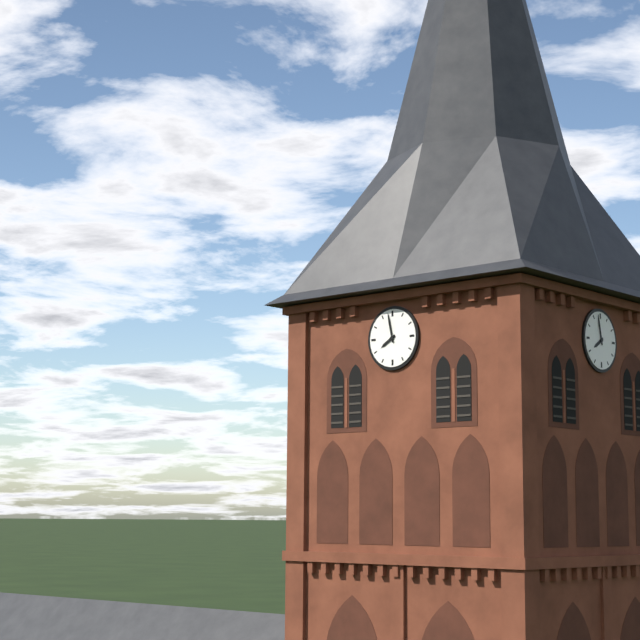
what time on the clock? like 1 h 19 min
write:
7 h 58 min
